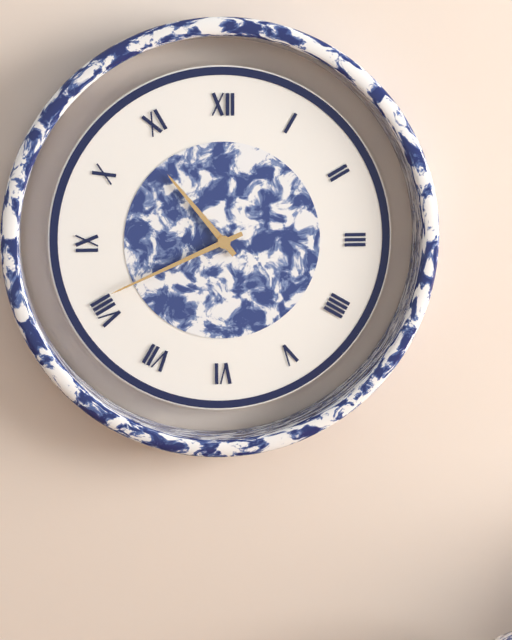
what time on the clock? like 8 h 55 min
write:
10 h 41 min
